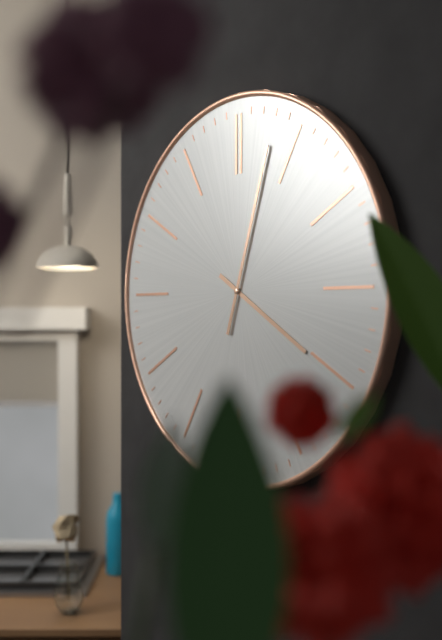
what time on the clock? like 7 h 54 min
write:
4 h 03 min
